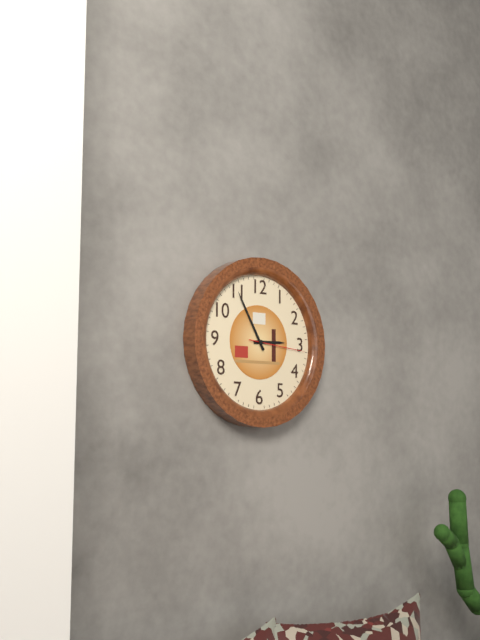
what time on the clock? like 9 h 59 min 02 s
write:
2 h 55 min 16 s
